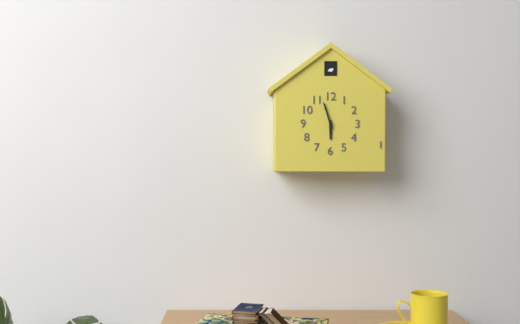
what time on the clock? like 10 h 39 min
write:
5 h 57 min
